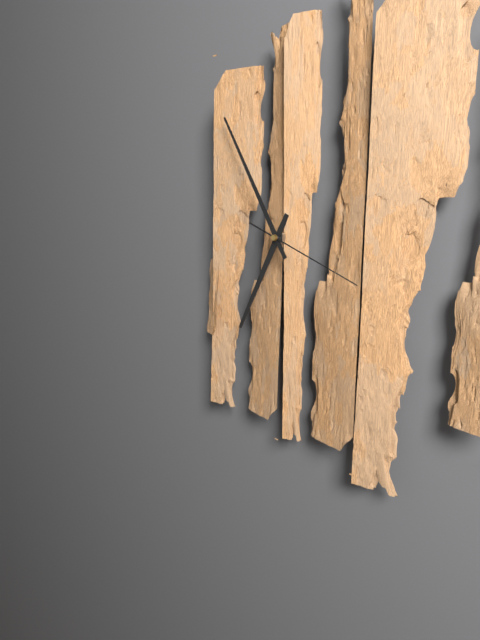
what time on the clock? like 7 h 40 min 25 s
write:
6 h 55 min 19 s
